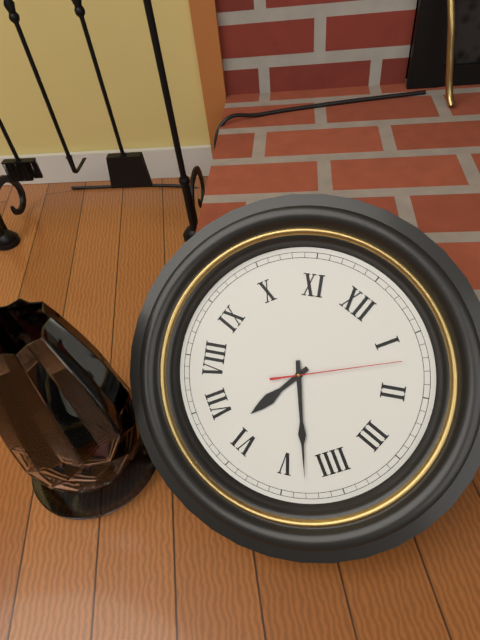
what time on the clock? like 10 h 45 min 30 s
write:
6 h 23 min 07 s
